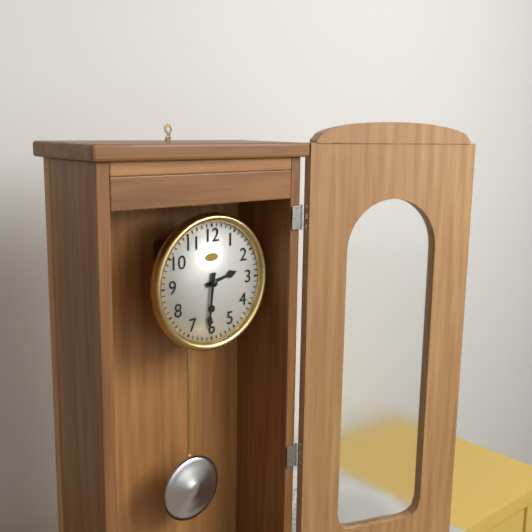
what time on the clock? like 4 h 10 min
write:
2 h 31 min
